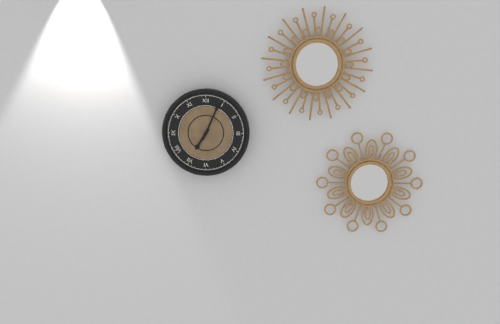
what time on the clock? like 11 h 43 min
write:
7 h 04 min
